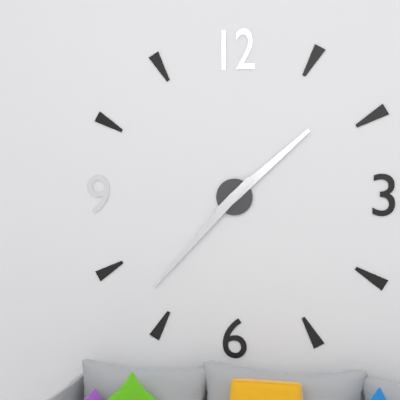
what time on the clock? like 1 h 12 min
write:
1 h 37 min
